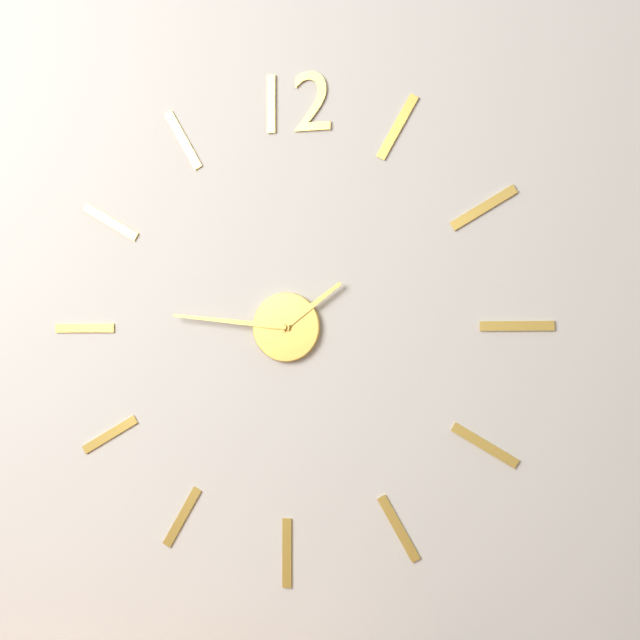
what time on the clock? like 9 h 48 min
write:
1 h 46 min
